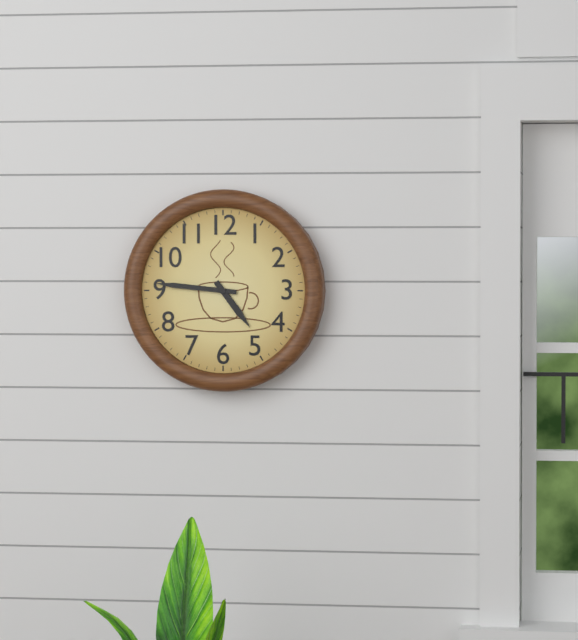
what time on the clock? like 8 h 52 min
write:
4 h 46 min
